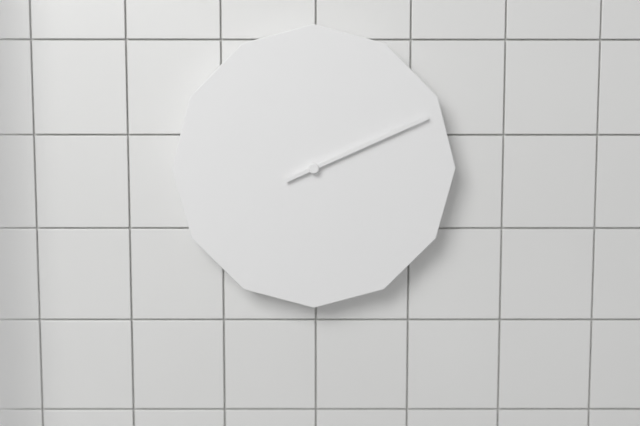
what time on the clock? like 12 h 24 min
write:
2 h 11 min
